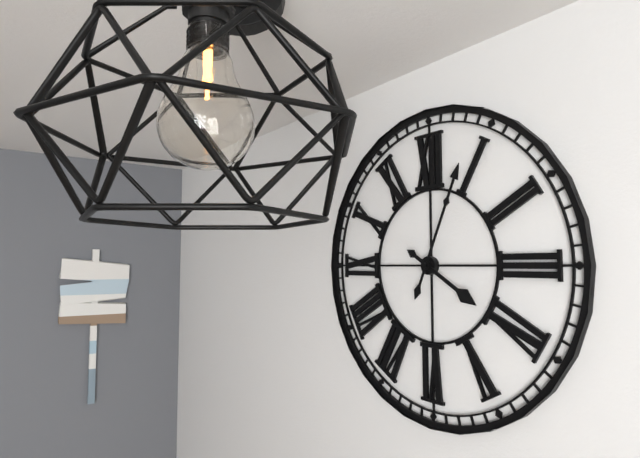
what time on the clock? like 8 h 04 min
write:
4 h 04 min
